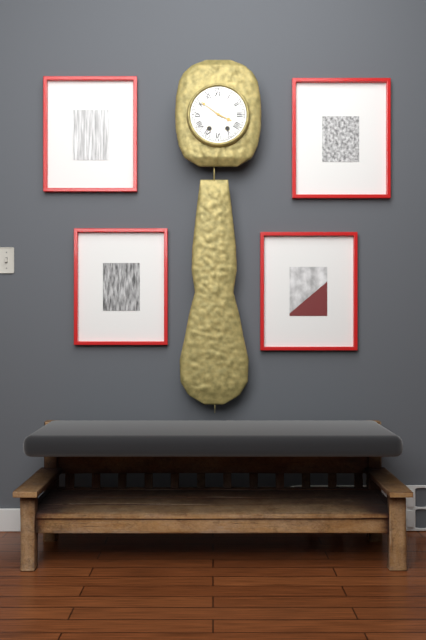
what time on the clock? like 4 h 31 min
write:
3 h 51 min
